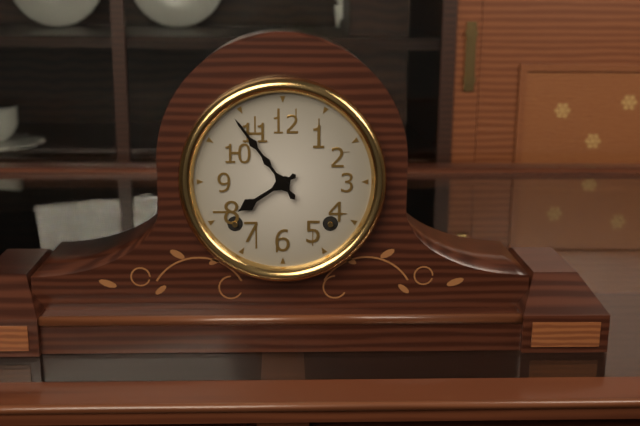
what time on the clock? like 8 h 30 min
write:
7 h 54 min
